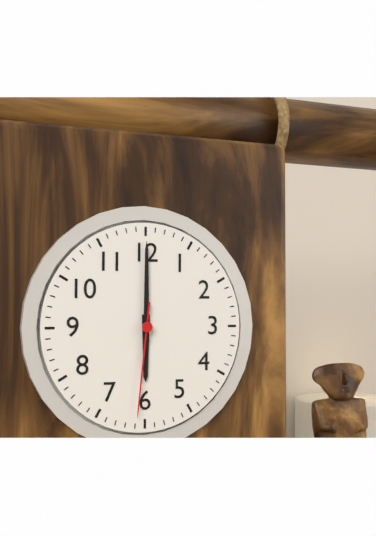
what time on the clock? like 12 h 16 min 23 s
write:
6 h 00 min 31 s
